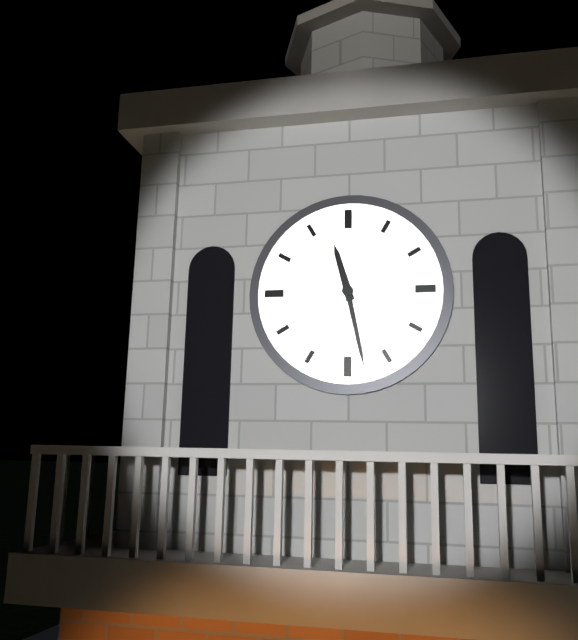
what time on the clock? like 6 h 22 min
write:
11 h 28 min
